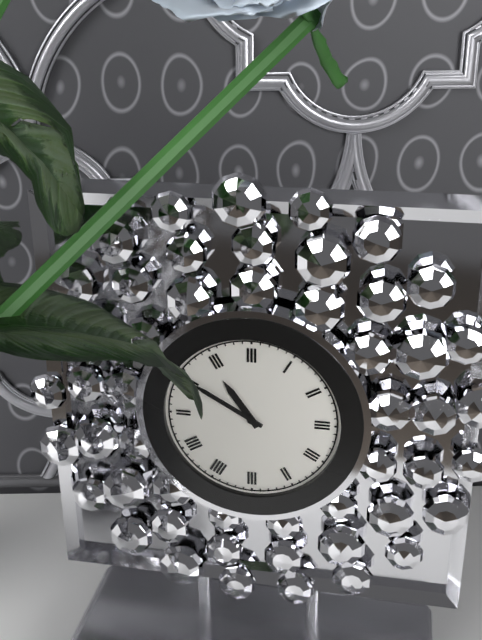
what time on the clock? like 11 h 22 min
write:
10 h 50 min
